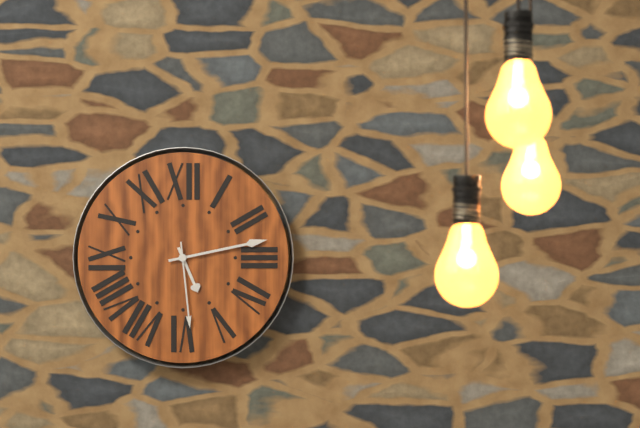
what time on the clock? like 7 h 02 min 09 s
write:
5 h 13 min 29 s
